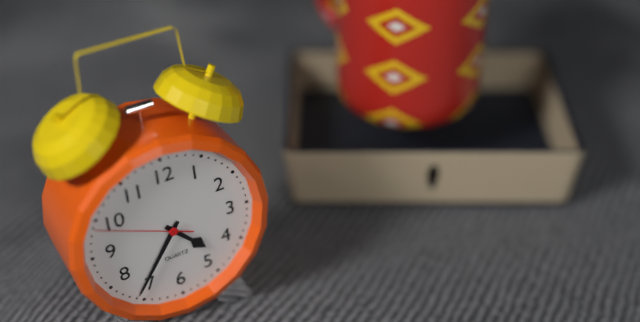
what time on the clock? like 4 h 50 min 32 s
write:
4 h 36 min 49 s
